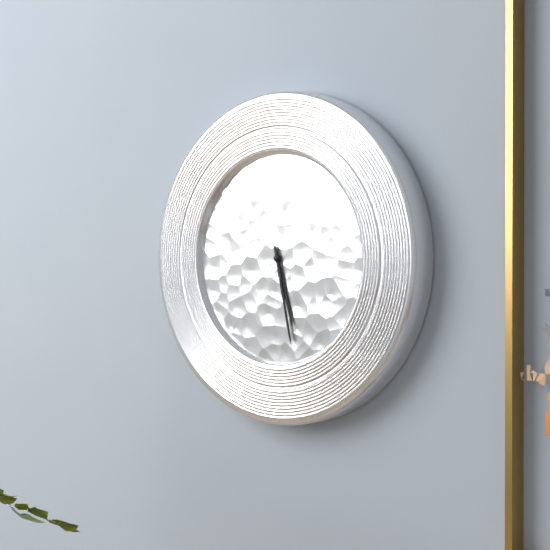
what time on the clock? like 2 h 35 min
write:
5 h 28 min
